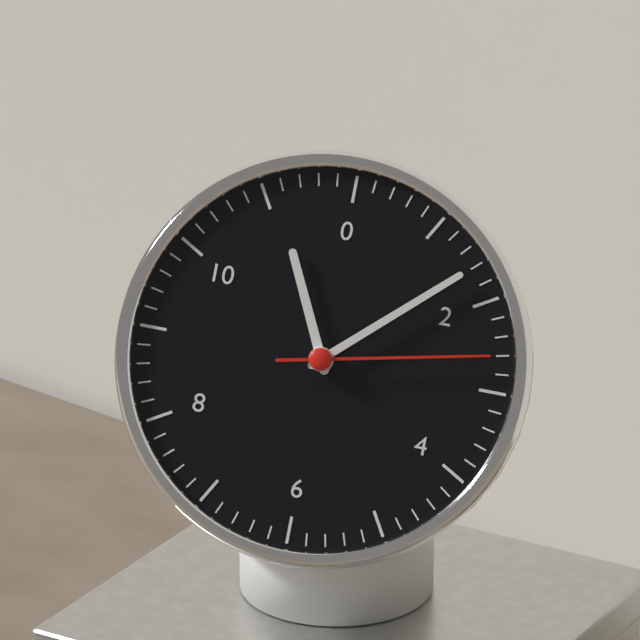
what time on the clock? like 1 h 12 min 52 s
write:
11 h 08 min 13 s
